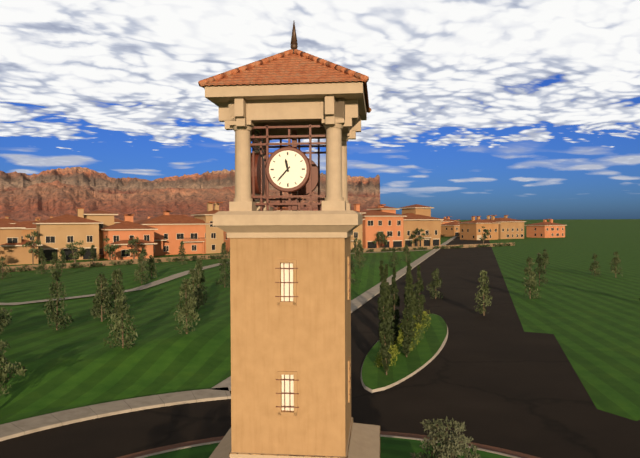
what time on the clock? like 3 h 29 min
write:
11 h 37 min
